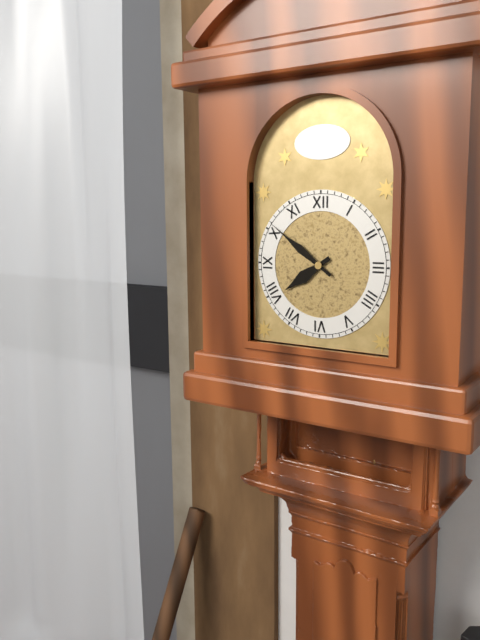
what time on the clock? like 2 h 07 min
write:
7 h 51 min
